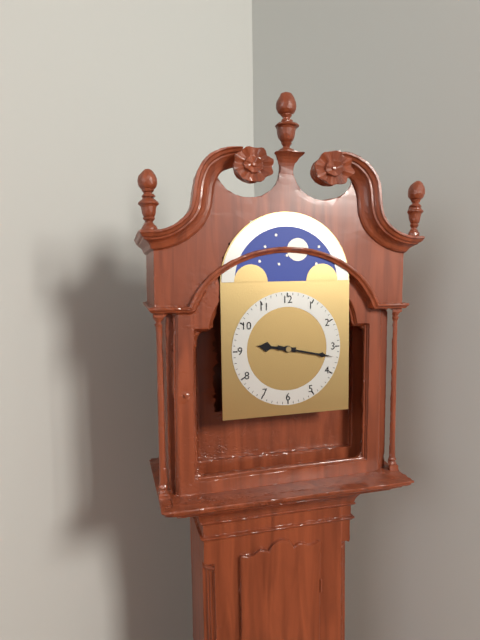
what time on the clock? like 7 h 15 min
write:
9 h 17 min
